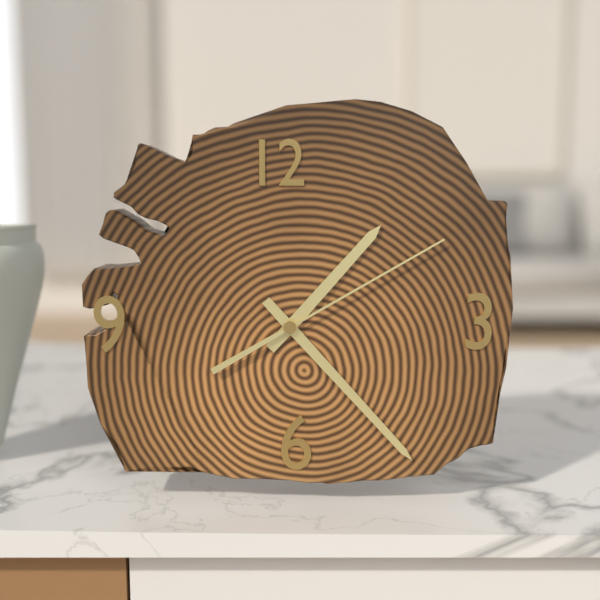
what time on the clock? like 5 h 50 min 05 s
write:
1 h 23 min 10 s
